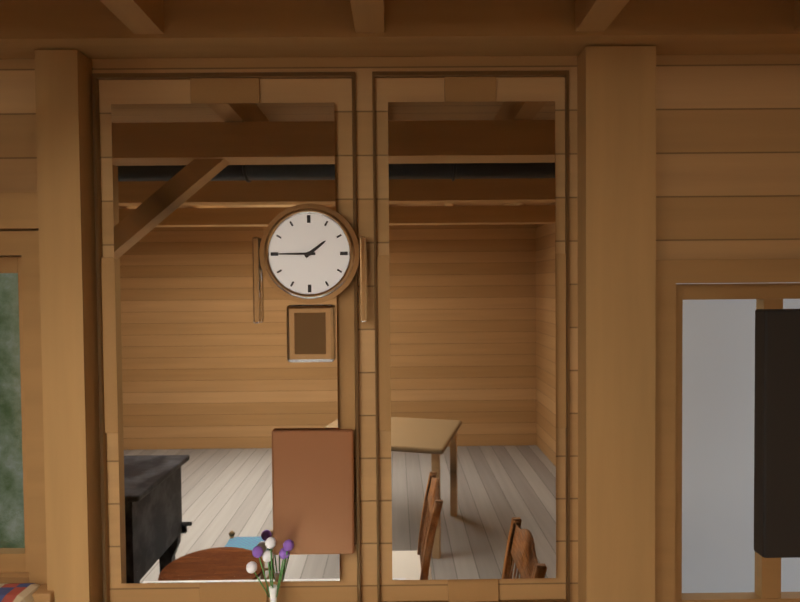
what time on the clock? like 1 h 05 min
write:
1 h 45 min
